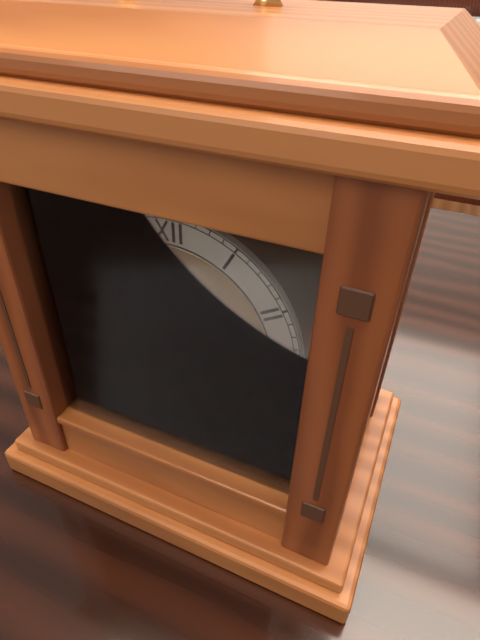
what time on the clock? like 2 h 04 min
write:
1 h 33 min
